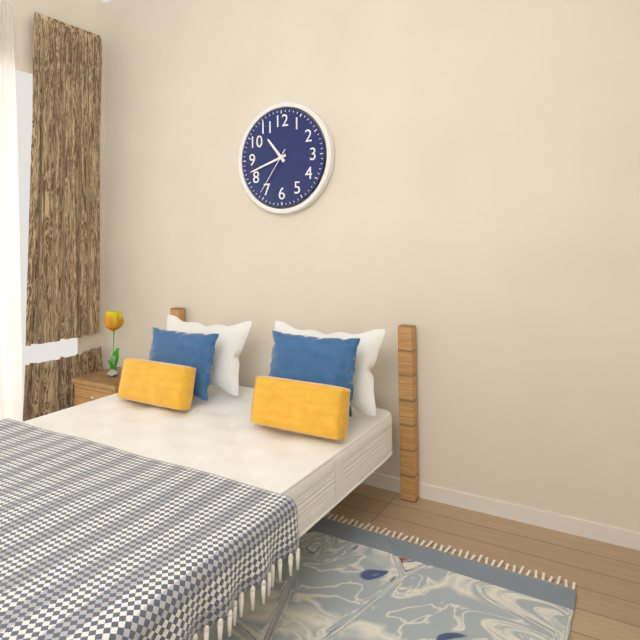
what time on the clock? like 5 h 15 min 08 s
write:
10 h 42 min 36 s
